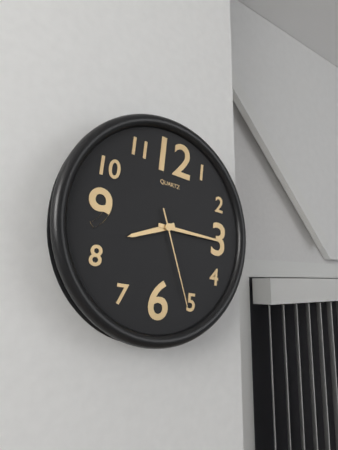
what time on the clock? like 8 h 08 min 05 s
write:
8 h 15 min 26 s
